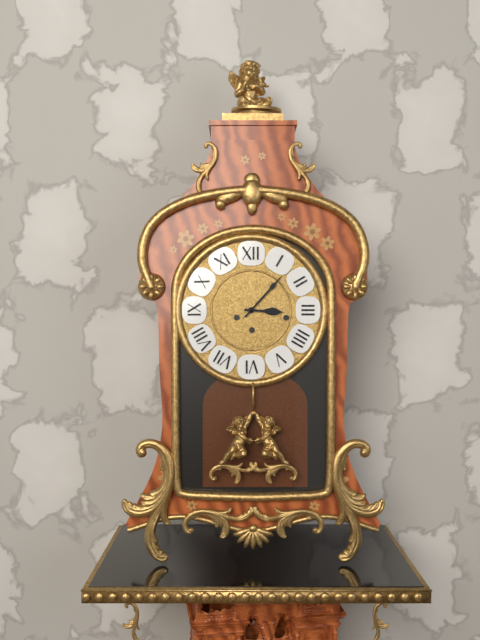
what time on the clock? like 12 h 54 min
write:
3 h 07 min
